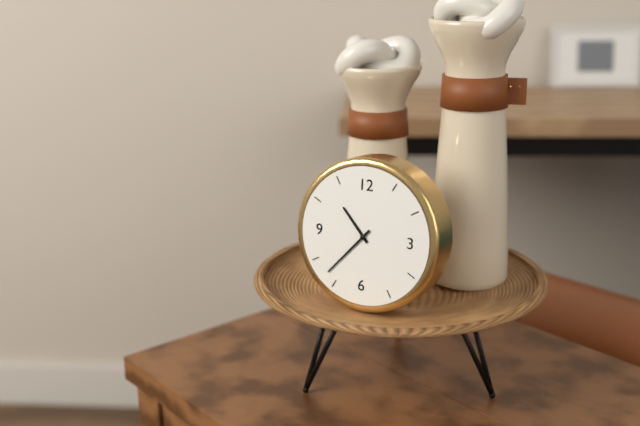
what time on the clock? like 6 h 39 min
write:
10 h 37 min
